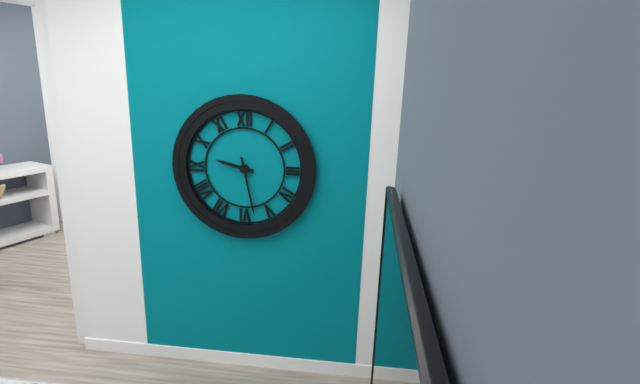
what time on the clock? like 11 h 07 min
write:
9 h 28 min
